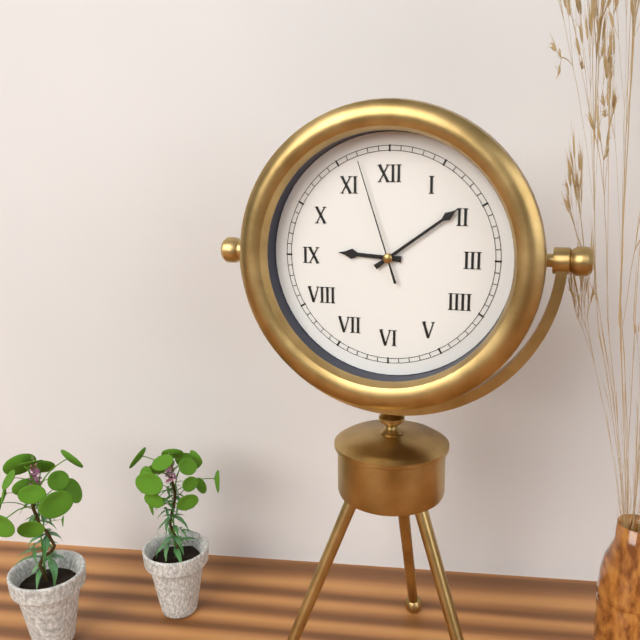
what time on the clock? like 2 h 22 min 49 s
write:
9 h 09 min 57 s
